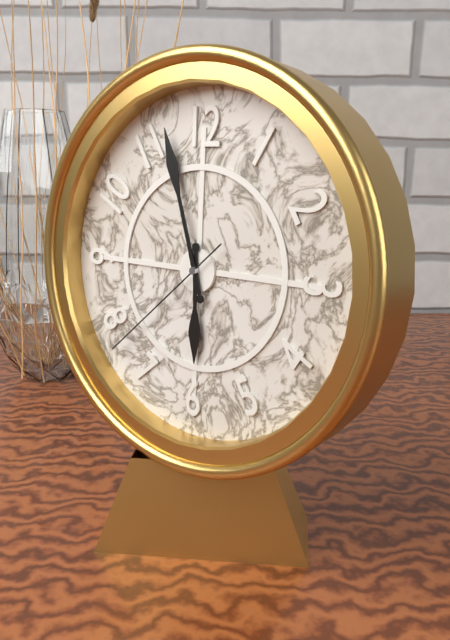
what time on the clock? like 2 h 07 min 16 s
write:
5 h 57 min 38 s
